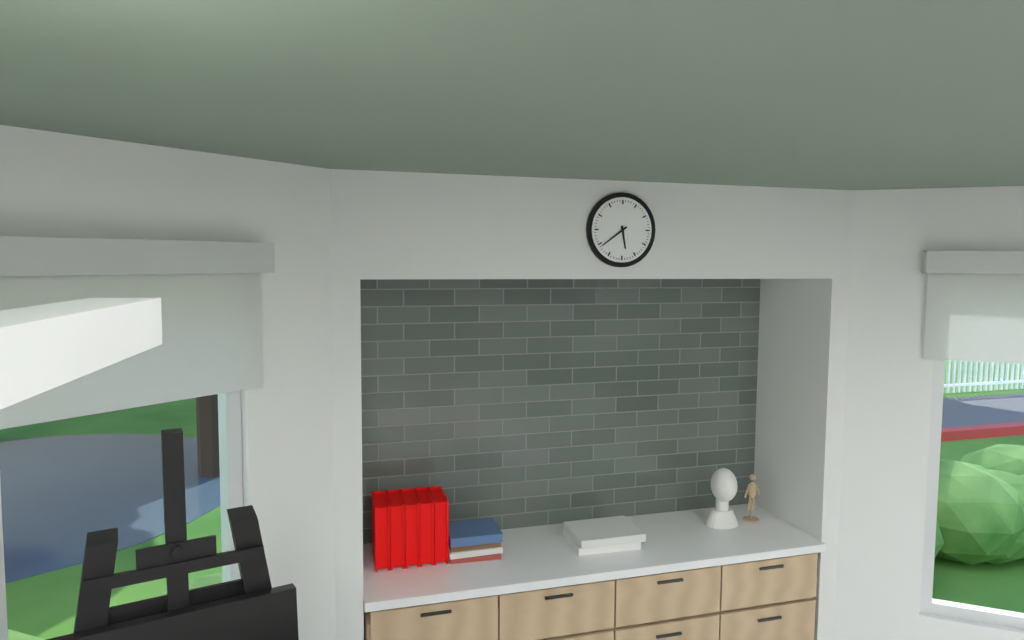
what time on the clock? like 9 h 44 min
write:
5 h 39 min
